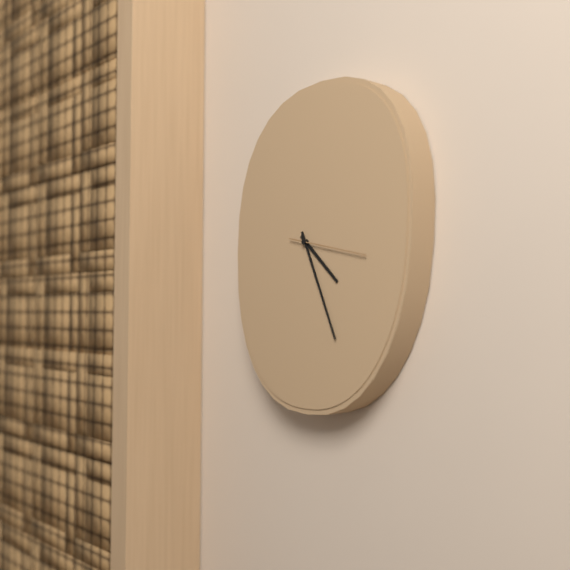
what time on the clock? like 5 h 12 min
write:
4 h 26 min
